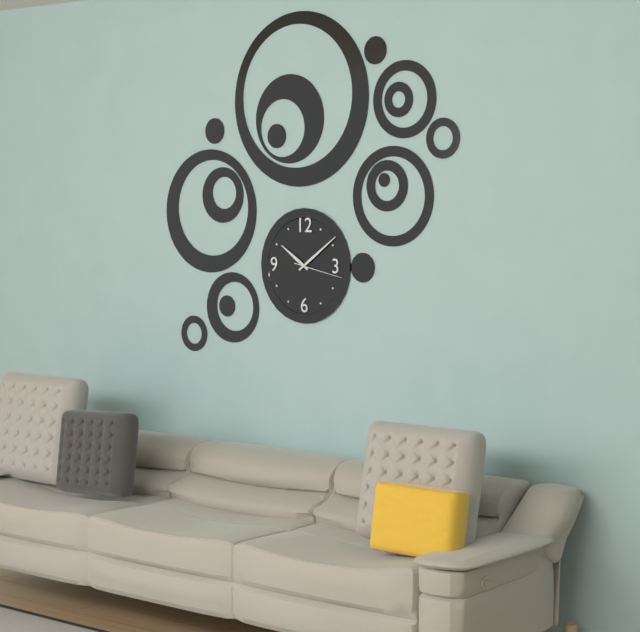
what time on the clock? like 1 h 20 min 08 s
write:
10 h 09 min 17 s
